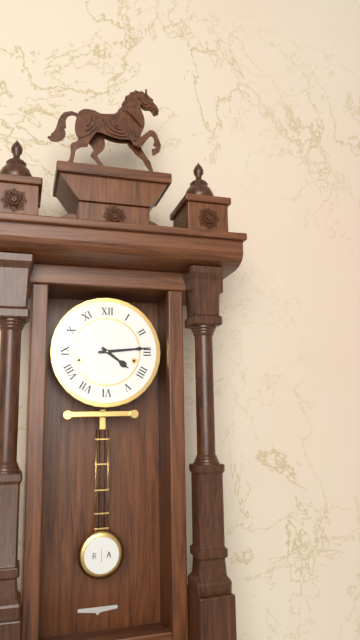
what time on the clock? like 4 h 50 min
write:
4 h 14 min
